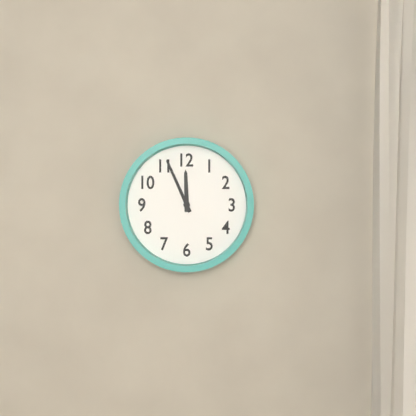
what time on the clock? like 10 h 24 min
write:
11 h 56 min
